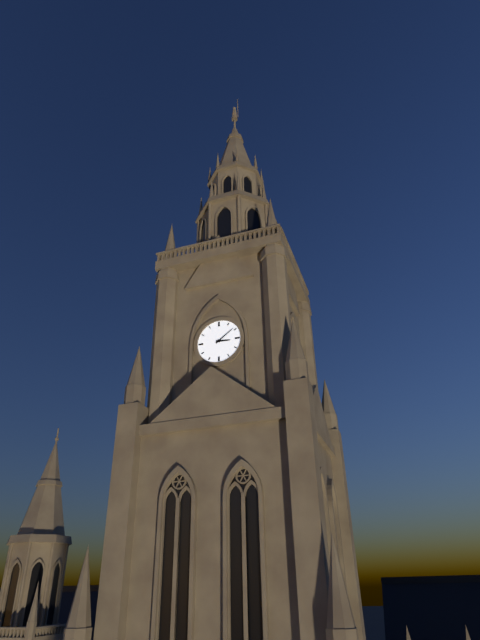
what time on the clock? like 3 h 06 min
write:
3 h 09 min
